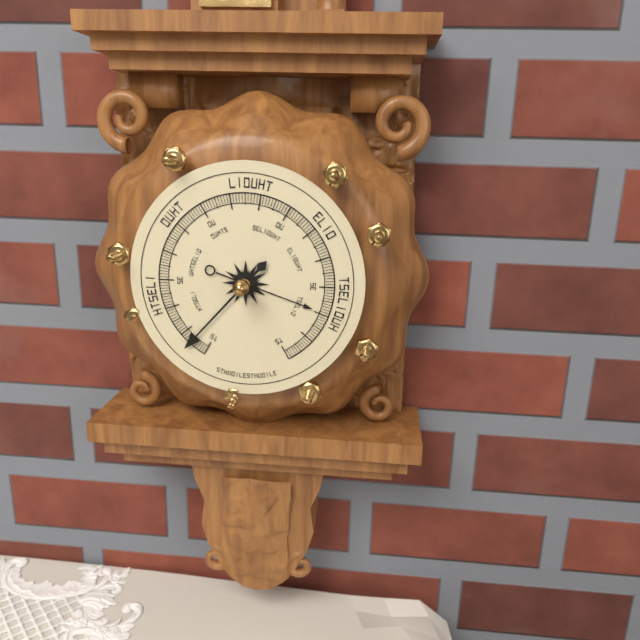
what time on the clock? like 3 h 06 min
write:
3 h 37 min
